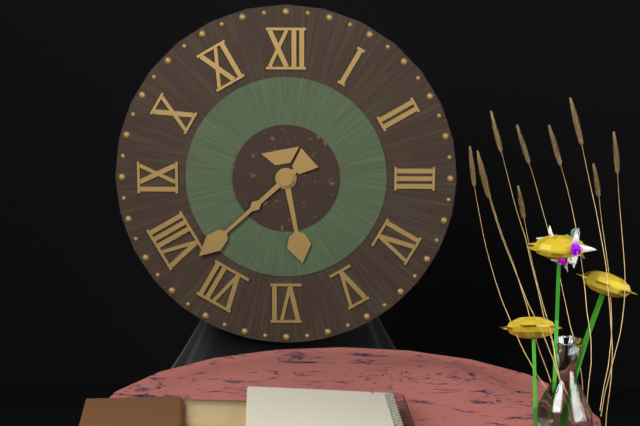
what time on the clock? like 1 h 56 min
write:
5 h 38 min
